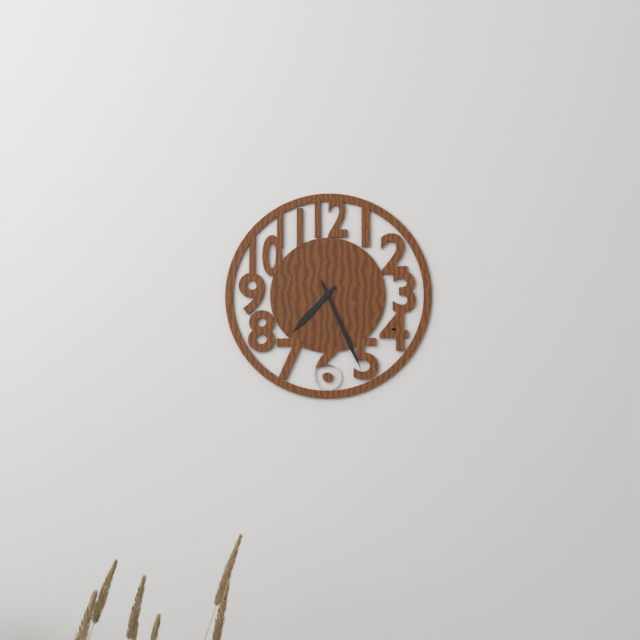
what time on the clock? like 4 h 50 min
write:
7 h 26 min
